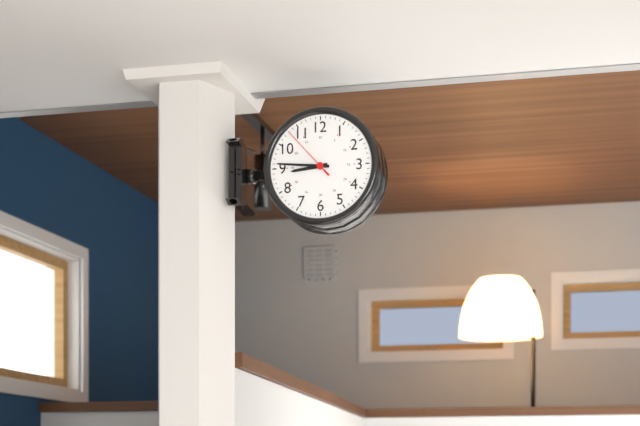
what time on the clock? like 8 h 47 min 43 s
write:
8 h 46 min 53 s
